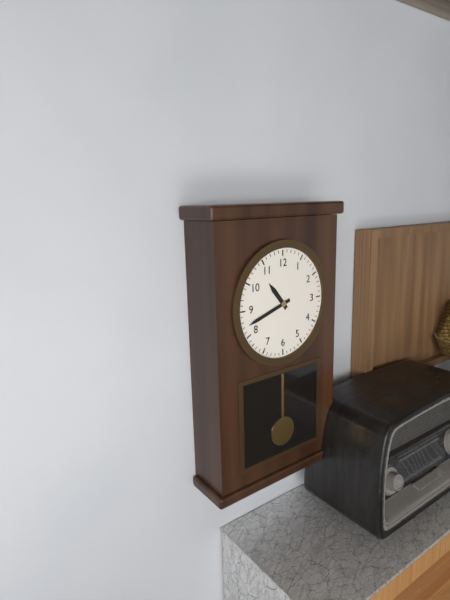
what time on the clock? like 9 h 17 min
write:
10 h 42 min
